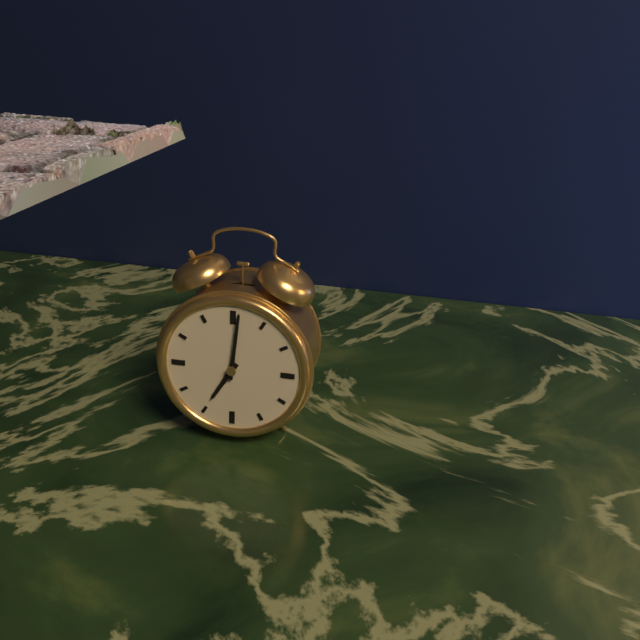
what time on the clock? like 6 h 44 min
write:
7 h 01 min
